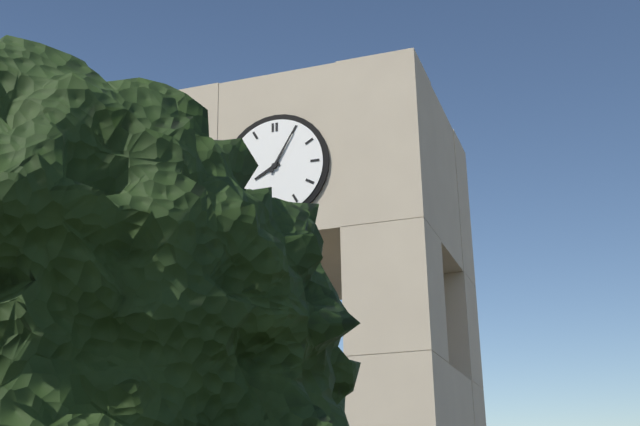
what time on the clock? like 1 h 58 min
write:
8 h 05 min
